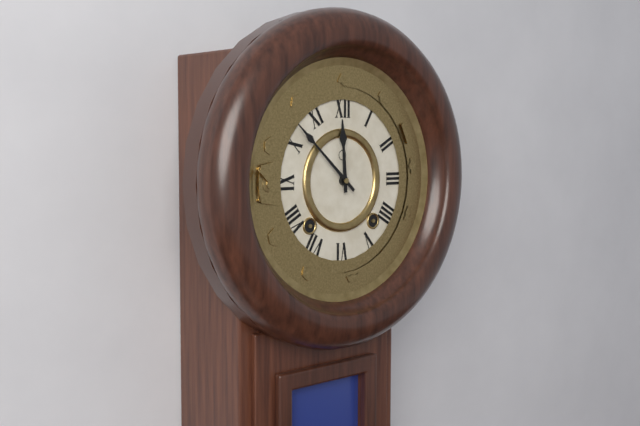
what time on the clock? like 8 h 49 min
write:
11 h 52 min
